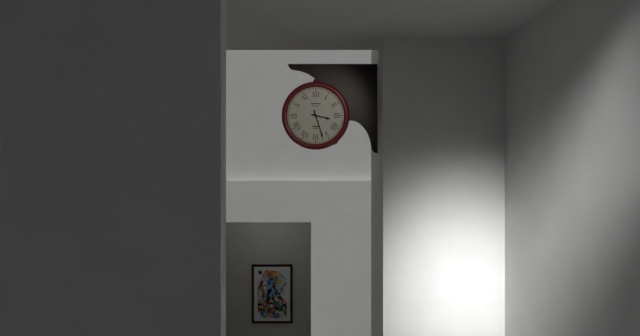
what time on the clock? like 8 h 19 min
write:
3 h 27 min
